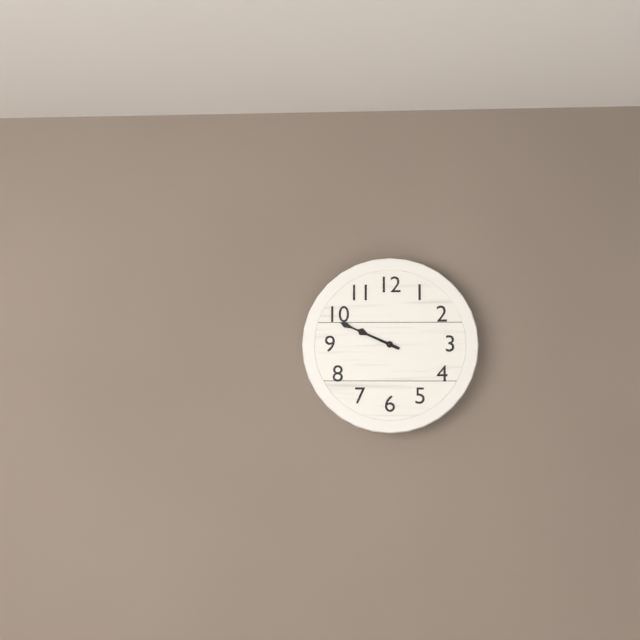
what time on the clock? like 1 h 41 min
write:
9 h 49 min
